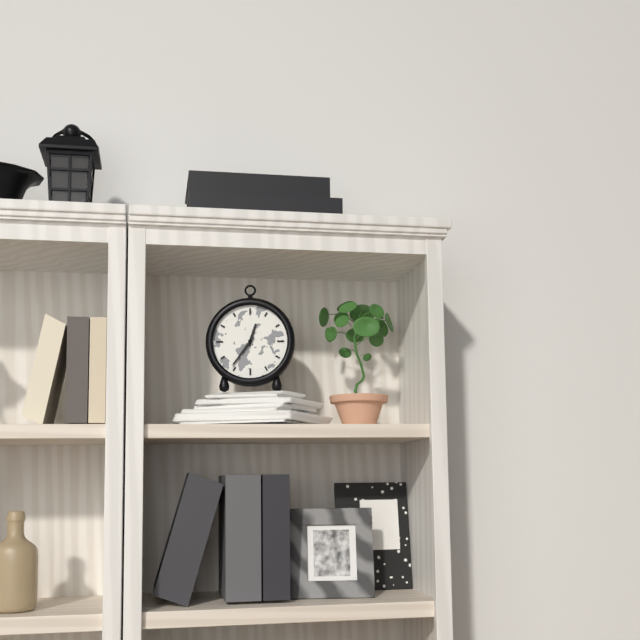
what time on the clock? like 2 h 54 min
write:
12 h 36 min
